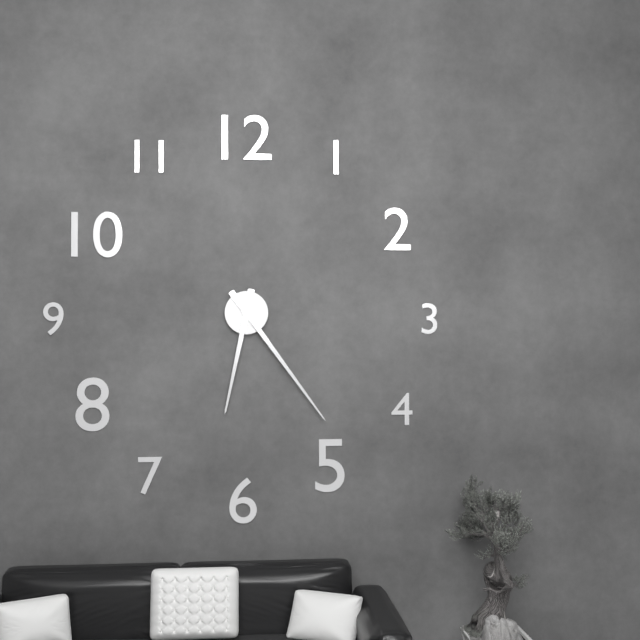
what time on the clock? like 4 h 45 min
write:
6 h 24 min
